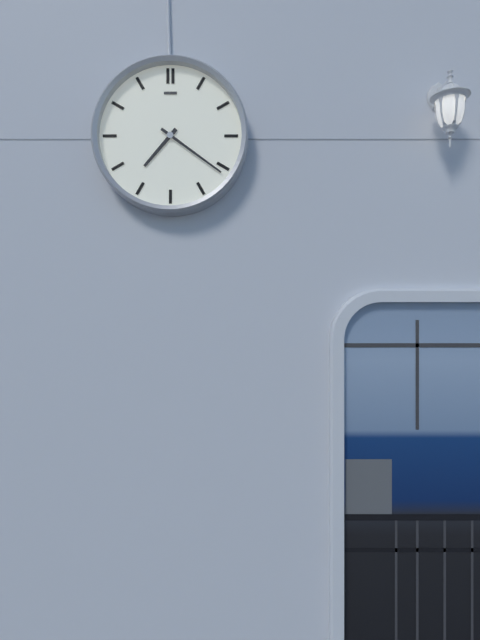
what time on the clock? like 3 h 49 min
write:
7 h 21 min
